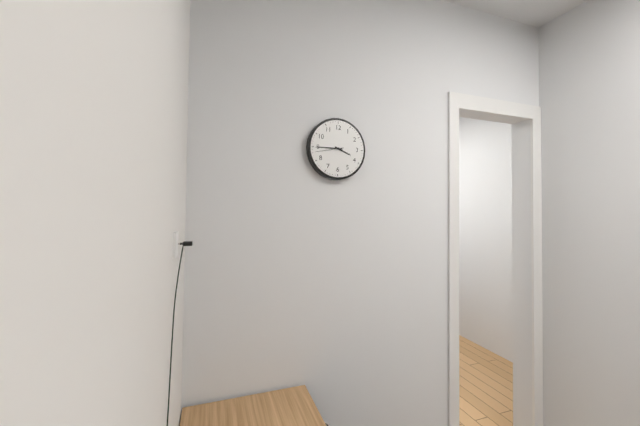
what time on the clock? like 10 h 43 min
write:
3 h 45 min
